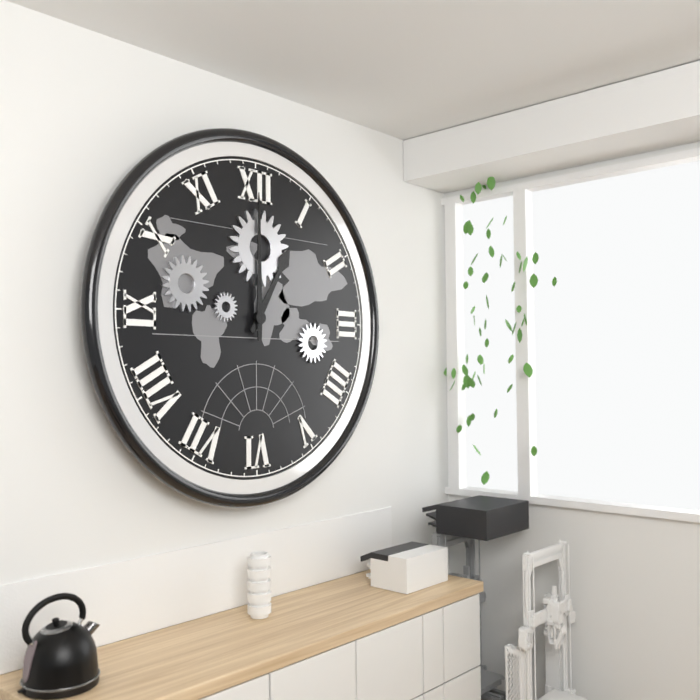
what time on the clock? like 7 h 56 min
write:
1 h 00 min
